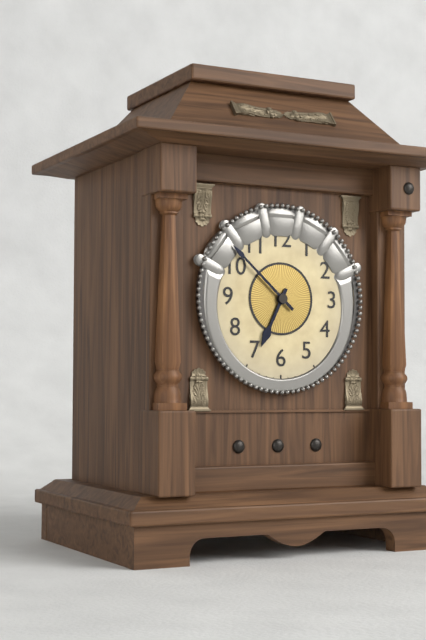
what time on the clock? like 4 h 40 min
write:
6 h 52 min
